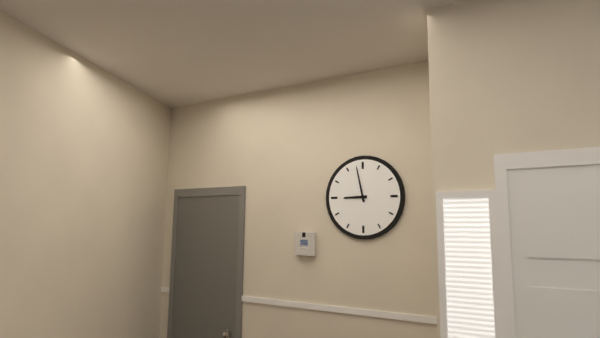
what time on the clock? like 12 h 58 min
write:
8 h 58 min
